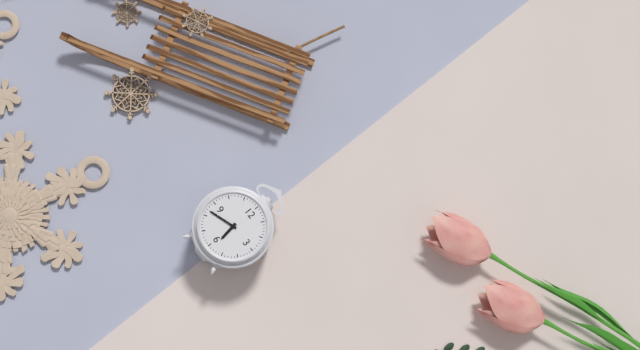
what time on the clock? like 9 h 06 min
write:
5 h 42 min
